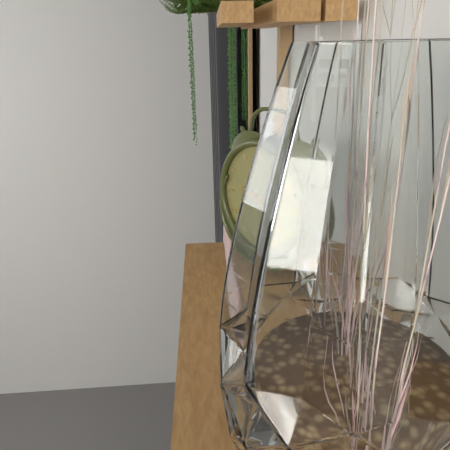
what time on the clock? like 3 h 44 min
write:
9 h 22 min
